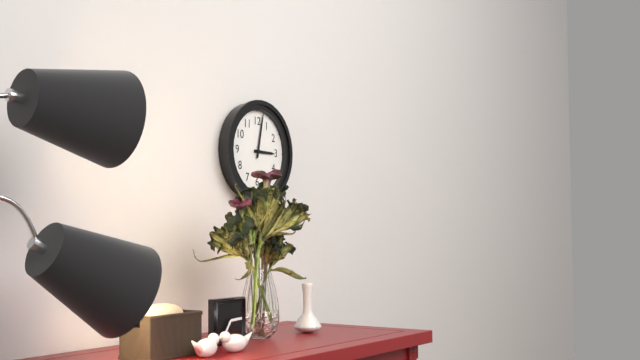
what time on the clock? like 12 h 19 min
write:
3 h 02 min
